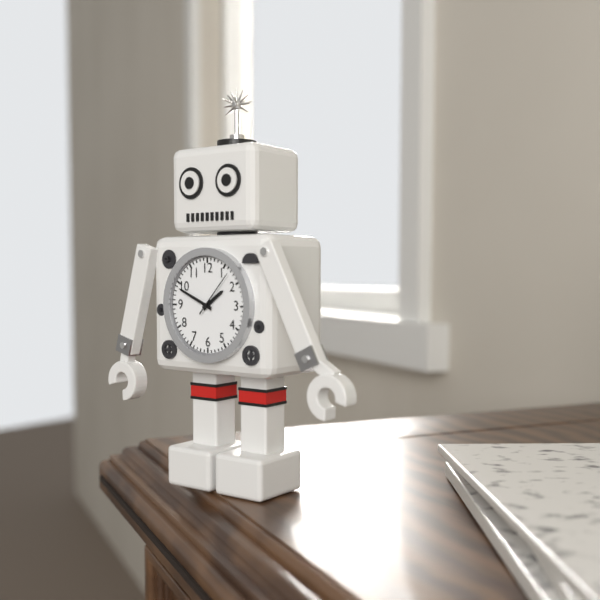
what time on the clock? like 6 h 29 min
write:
1 h 49 min
